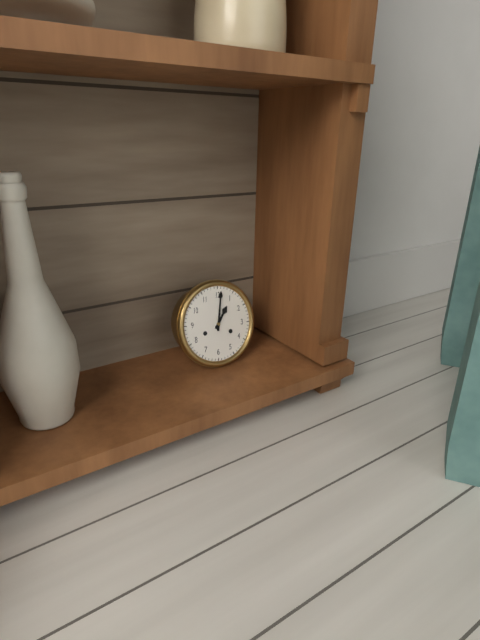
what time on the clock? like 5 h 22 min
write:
1 h 01 min
